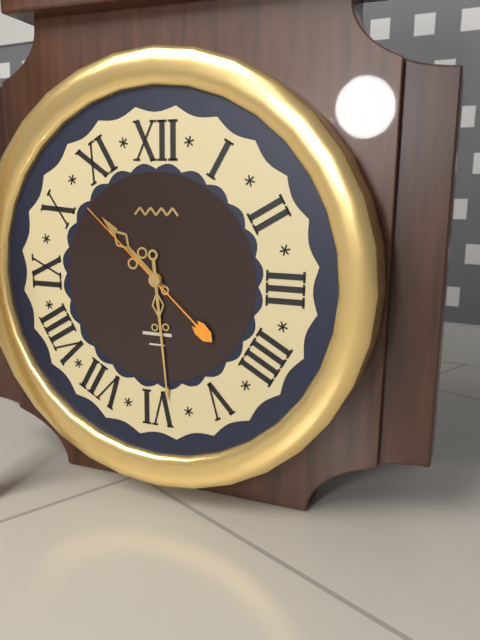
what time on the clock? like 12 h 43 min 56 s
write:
10 h 29 min 52 s
